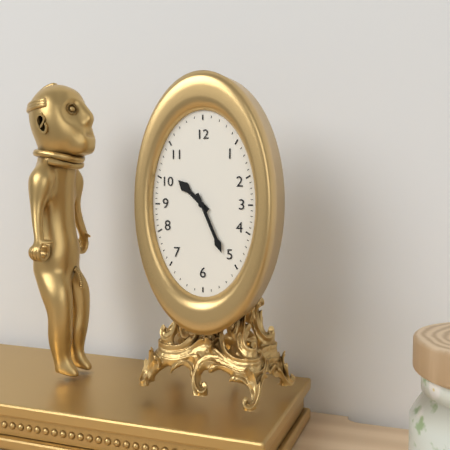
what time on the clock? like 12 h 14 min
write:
10 h 26 min
